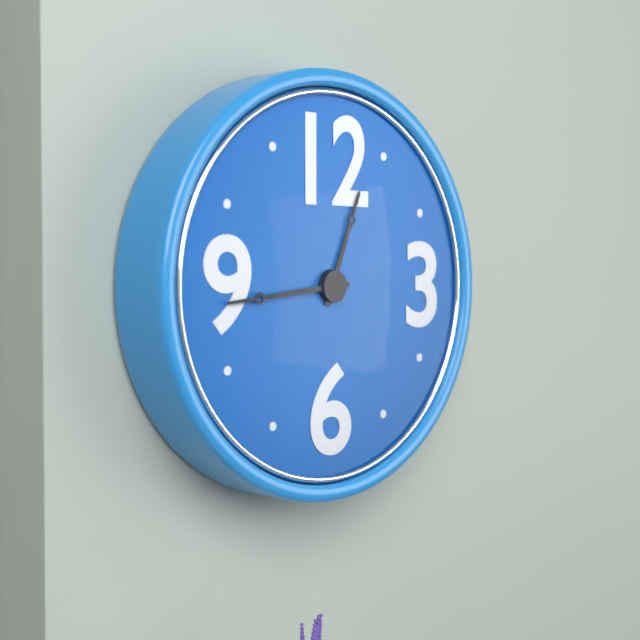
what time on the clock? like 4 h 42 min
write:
12 h 44 min
